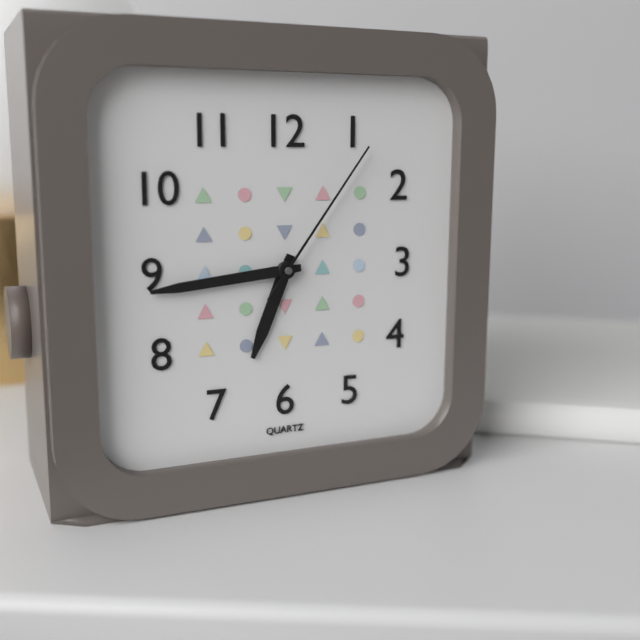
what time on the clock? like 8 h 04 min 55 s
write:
6 h 44 min 06 s
